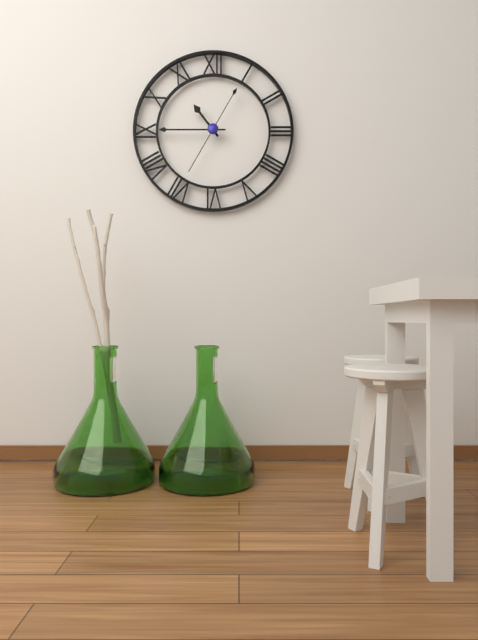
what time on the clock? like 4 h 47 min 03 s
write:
10 h 45 min 35 s
